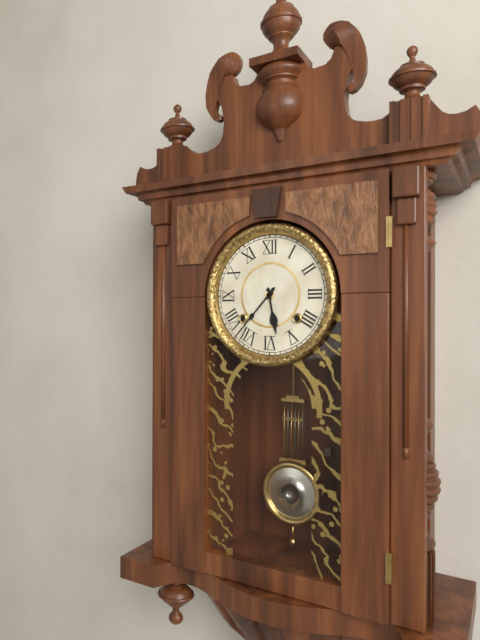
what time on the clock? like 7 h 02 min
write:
5 h 37 min
